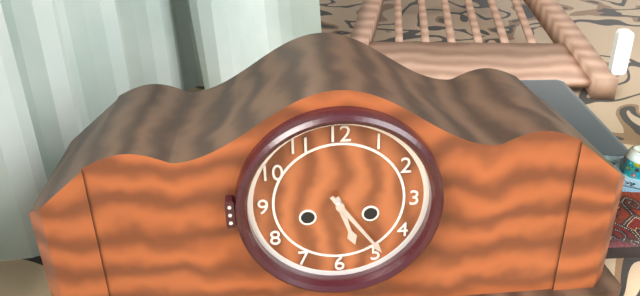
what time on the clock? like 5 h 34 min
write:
5 h 24 min
